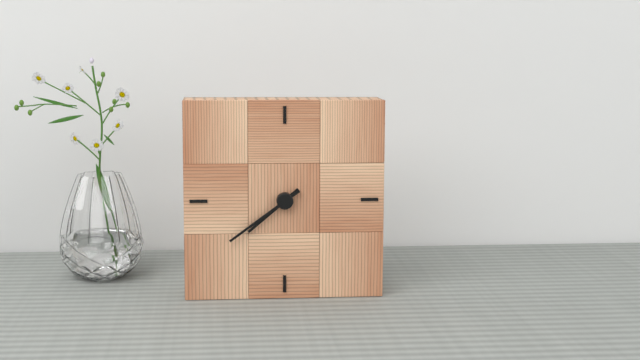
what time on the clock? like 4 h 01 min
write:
7 h 39 min
